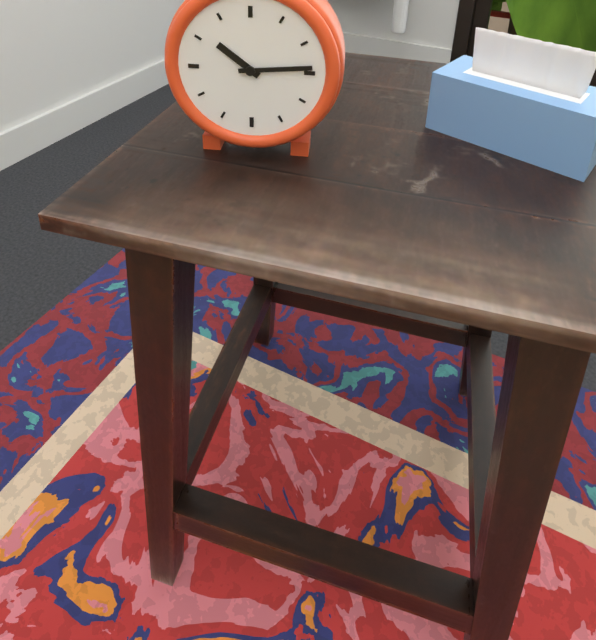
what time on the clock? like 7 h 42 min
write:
10 h 14 min
